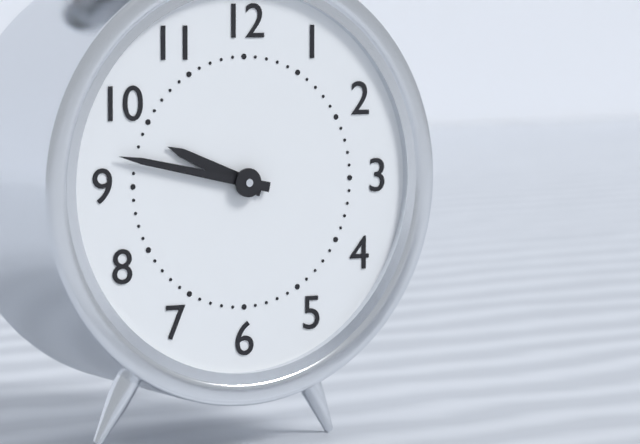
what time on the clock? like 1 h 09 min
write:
9 h 47 min
